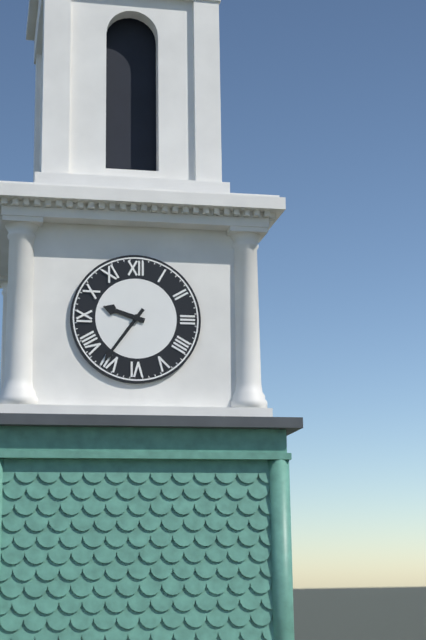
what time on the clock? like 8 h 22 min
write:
9 h 36 min
